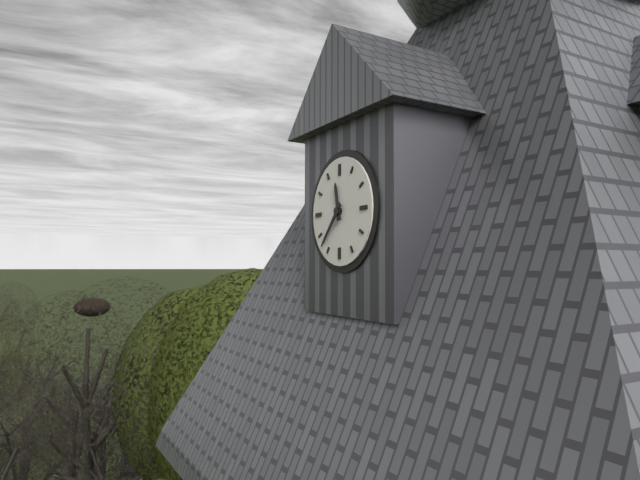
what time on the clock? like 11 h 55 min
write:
11 h 37 min
